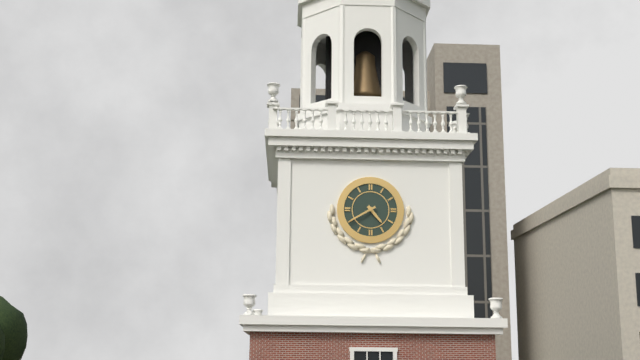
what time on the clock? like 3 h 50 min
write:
4 h 40 min
